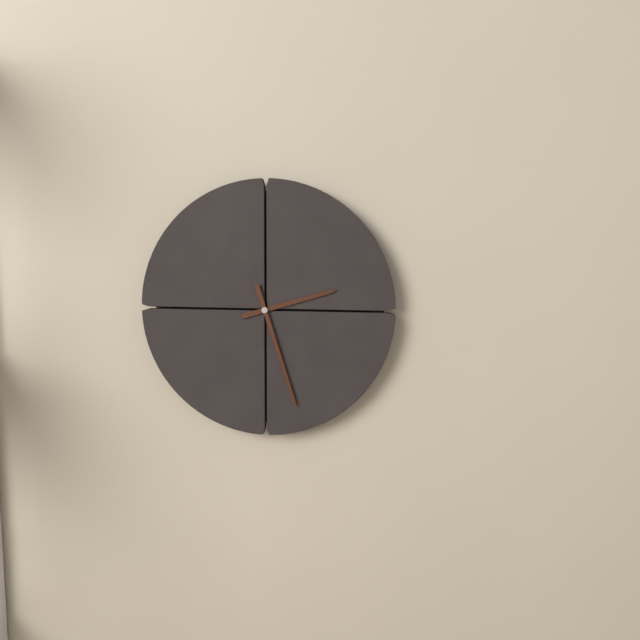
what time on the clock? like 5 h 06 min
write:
2 h 27 min
